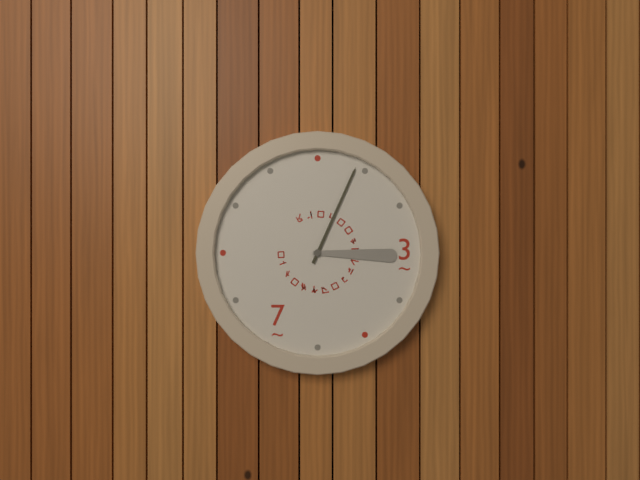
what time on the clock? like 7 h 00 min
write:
3 h 04 min
